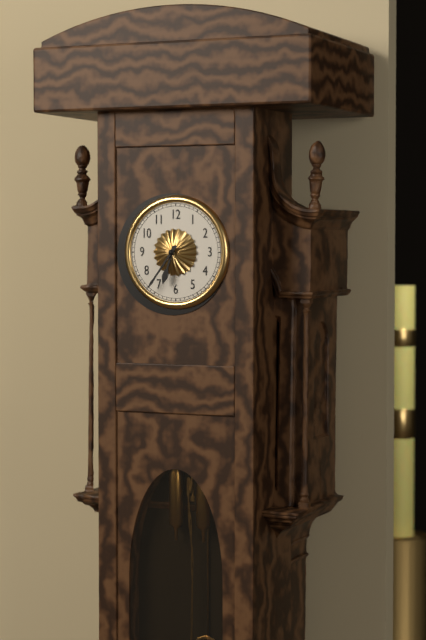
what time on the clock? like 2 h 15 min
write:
6 h 36 min
